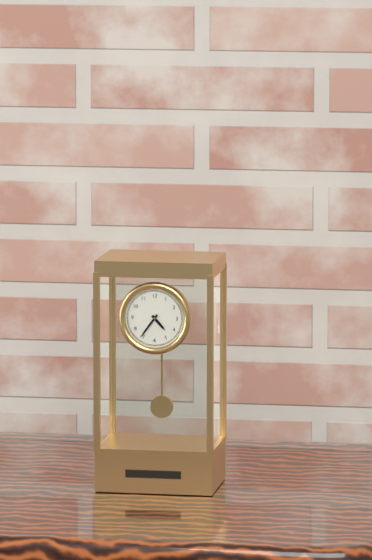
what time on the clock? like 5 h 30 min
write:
4 h 36 min
